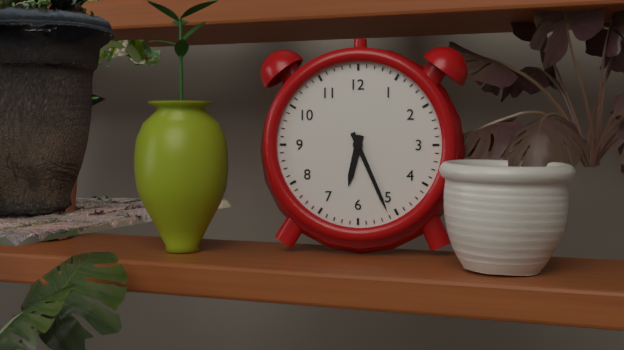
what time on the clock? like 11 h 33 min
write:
6 h 26 min
